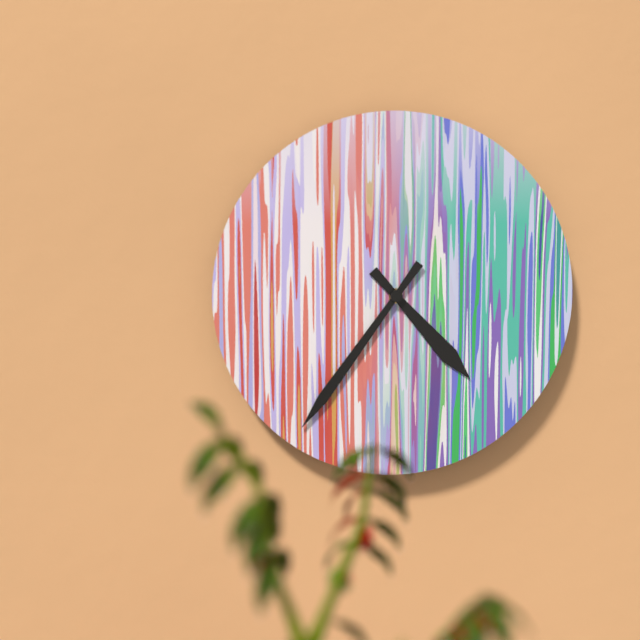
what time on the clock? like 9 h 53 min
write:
4 h 36 min
